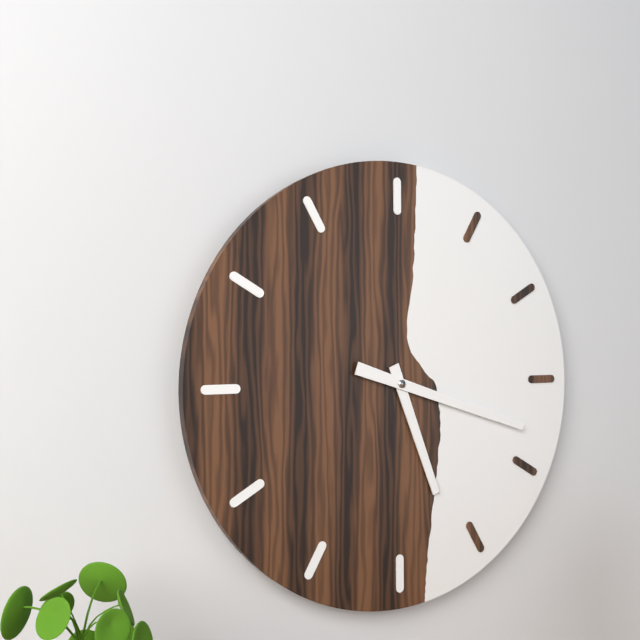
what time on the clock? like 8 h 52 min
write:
5 h 18 min
